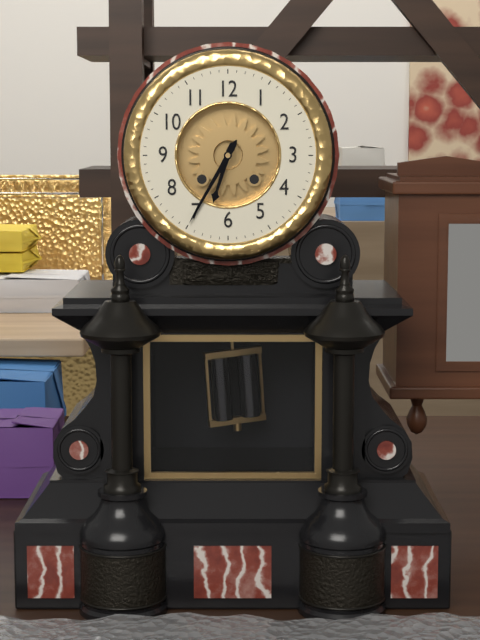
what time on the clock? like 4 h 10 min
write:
6 h 35 min
